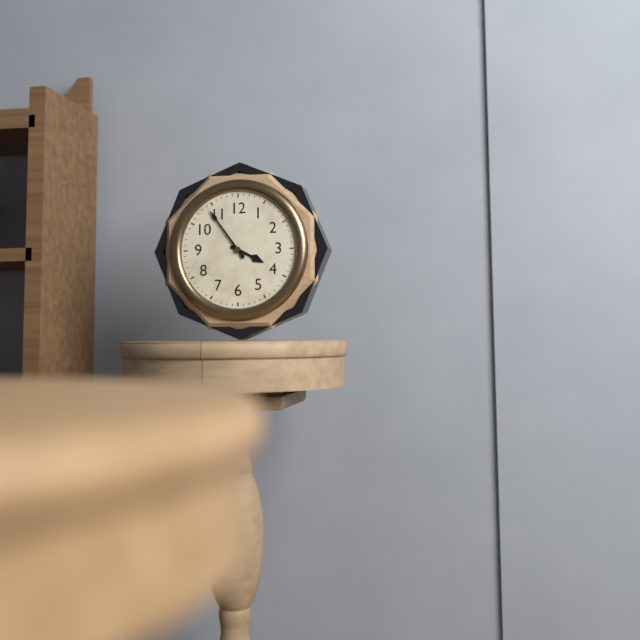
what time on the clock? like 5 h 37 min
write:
3 h 54 min
